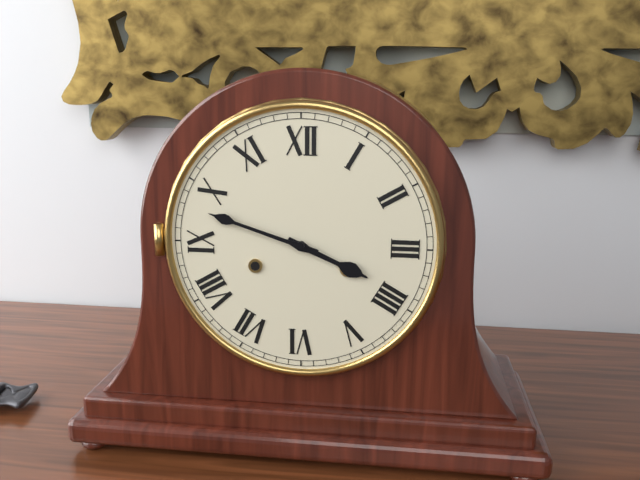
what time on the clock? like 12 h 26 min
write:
3 h 48 min
